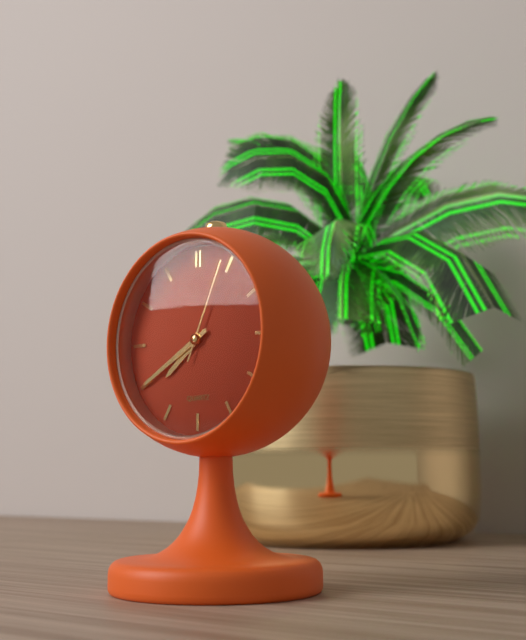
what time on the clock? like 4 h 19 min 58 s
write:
7 h 40 min 04 s
